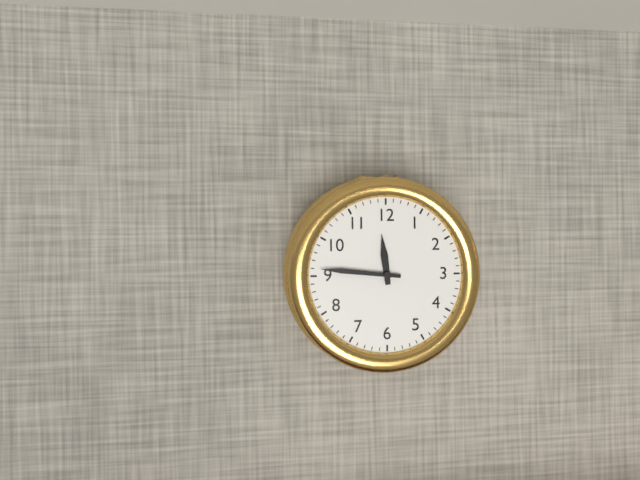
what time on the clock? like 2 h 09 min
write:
11 h 46 min
